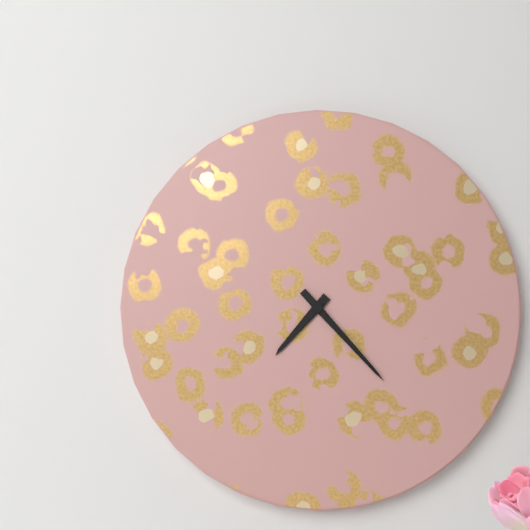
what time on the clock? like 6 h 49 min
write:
7 h 23 min
